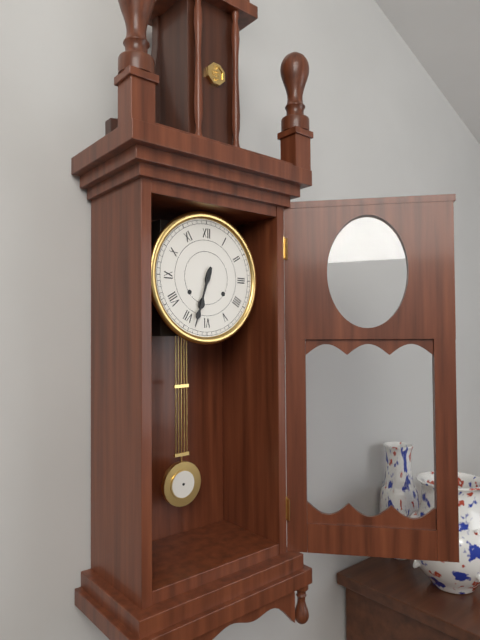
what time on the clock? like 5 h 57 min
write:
6 h 33 min
